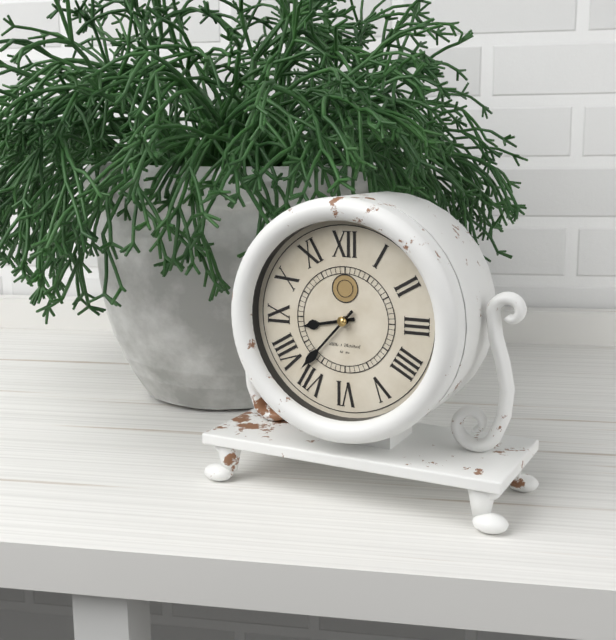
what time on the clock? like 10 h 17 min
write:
8 h 37 min
